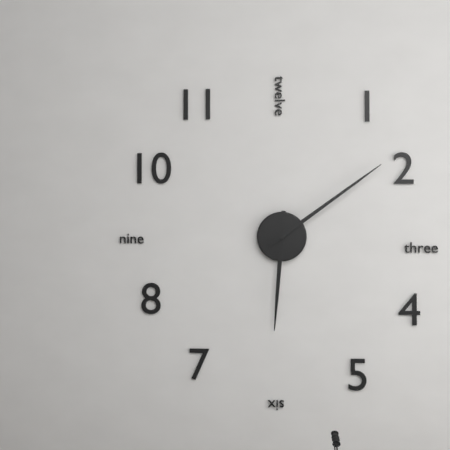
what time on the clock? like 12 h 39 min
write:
6 h 09 min
